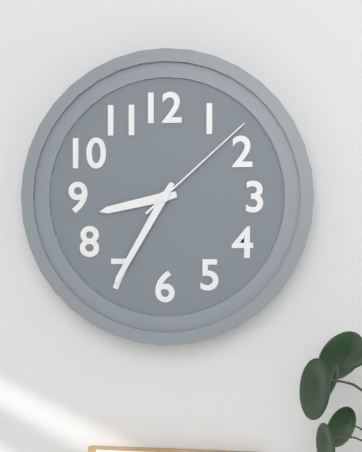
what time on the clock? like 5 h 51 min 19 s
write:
8 h 35 min 08 s
